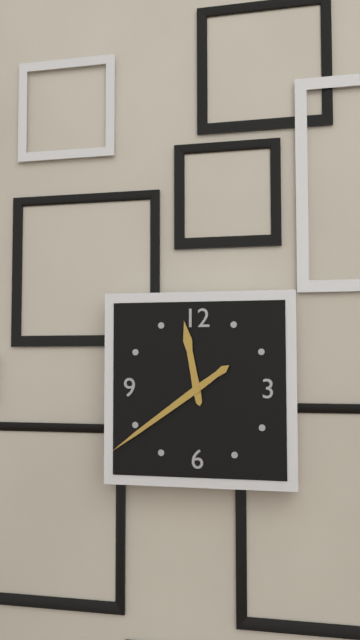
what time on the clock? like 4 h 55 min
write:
11 h 39 min
